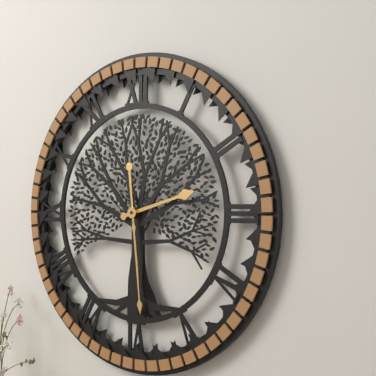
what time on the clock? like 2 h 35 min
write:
2 h 29 min
